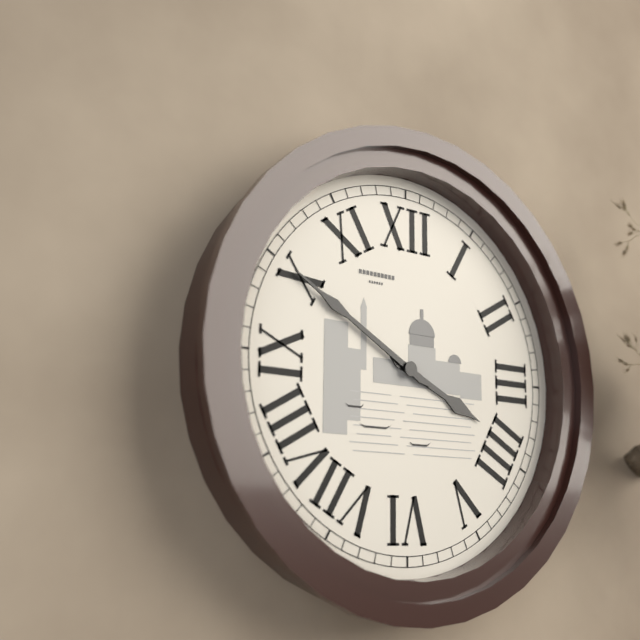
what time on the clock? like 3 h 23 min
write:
3 h 50 min
